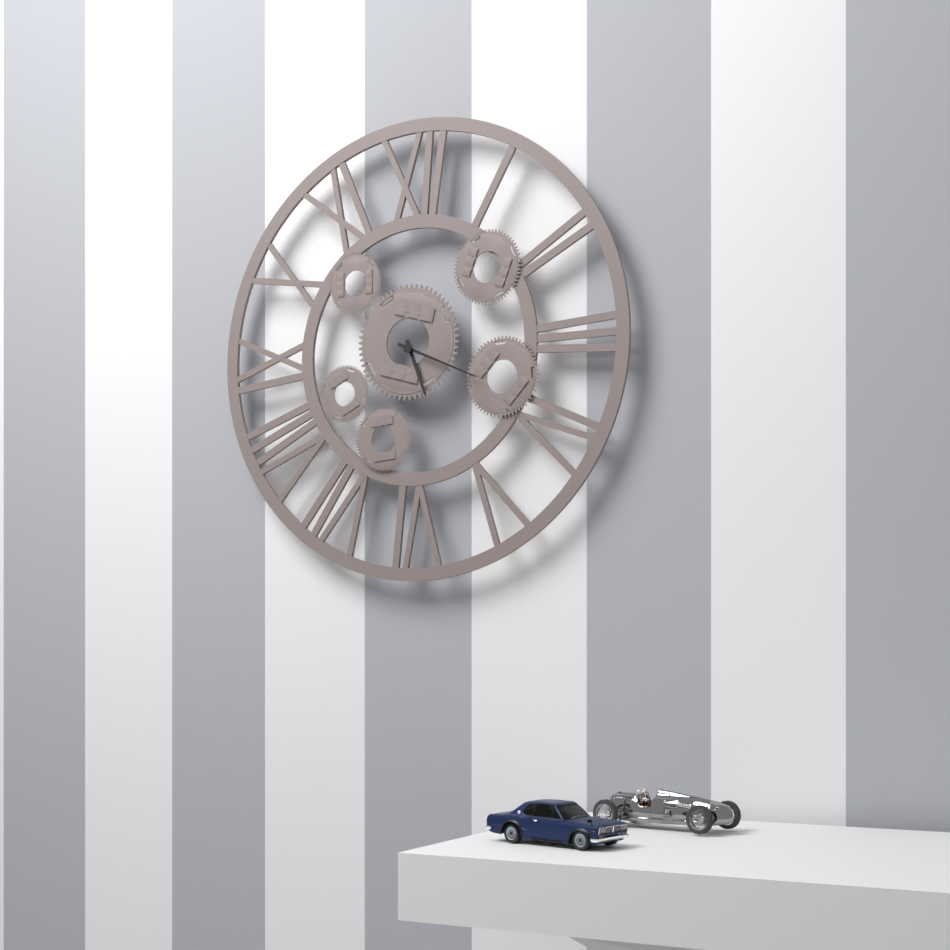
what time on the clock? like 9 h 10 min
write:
5 h 19 min
